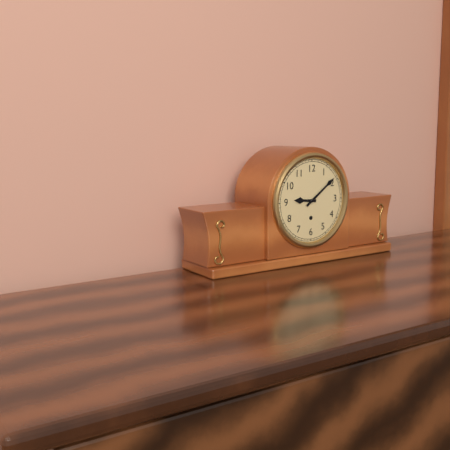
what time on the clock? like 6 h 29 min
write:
9 h 09 min
